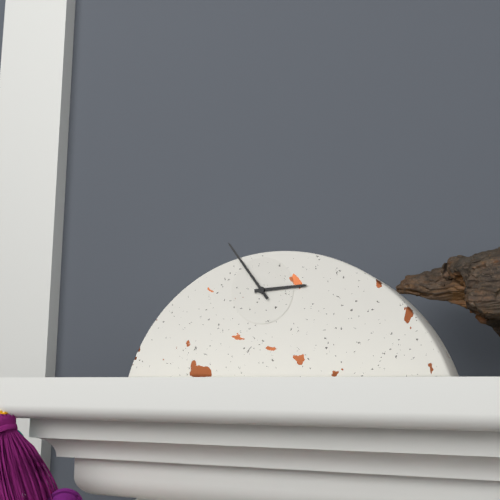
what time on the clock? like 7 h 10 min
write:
2 h 54 min
